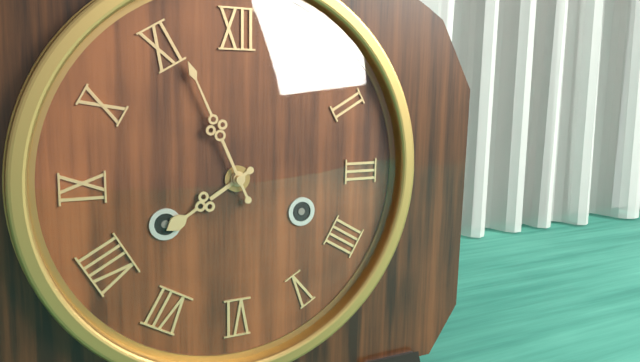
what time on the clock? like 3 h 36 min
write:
7 h 56 min
